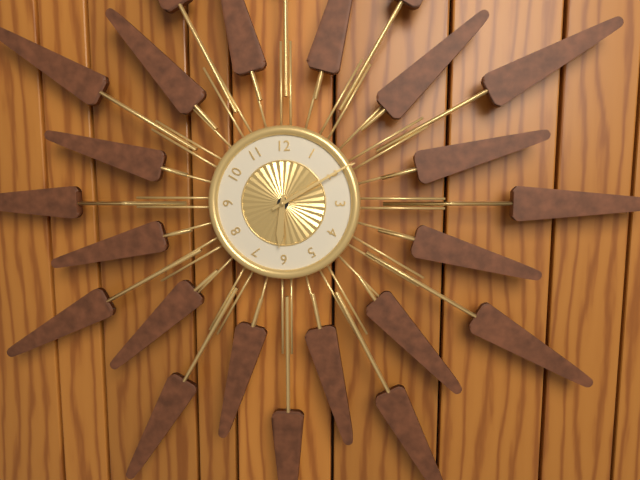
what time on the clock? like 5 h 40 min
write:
6 h 10 min
